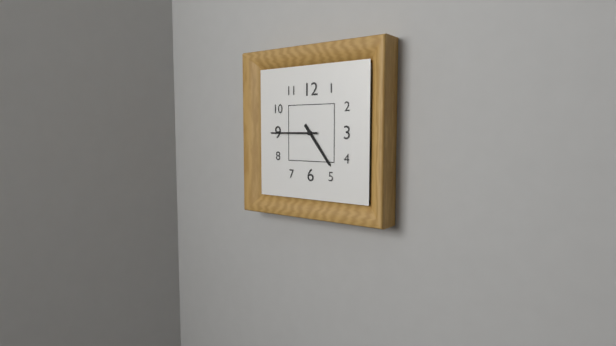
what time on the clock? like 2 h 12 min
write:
4 h 45 min
